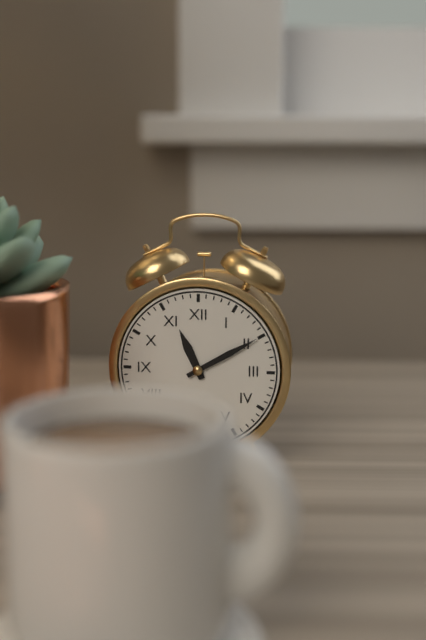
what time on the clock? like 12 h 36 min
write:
11 h 10 min
